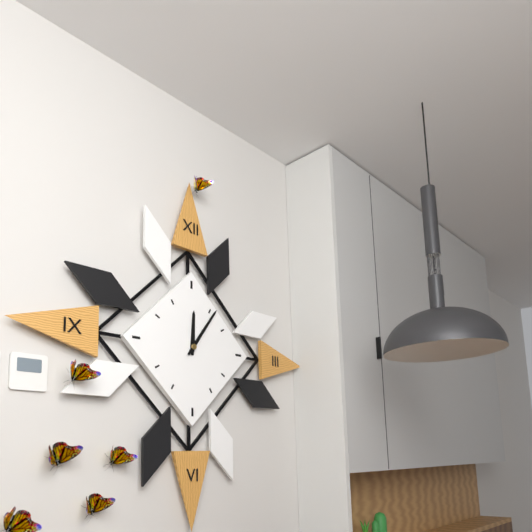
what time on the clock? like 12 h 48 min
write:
12 h 06 min
